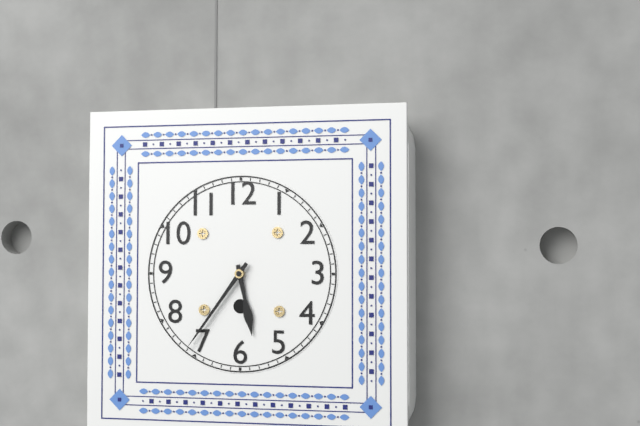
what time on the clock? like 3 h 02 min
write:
5 h 36 min
